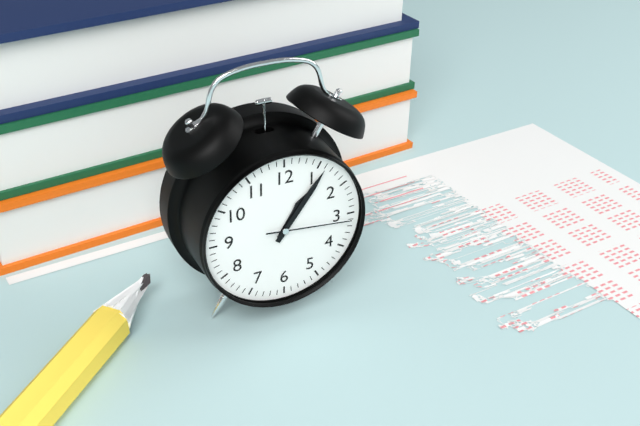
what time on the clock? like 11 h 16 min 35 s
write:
1 h 06 min 16 s
